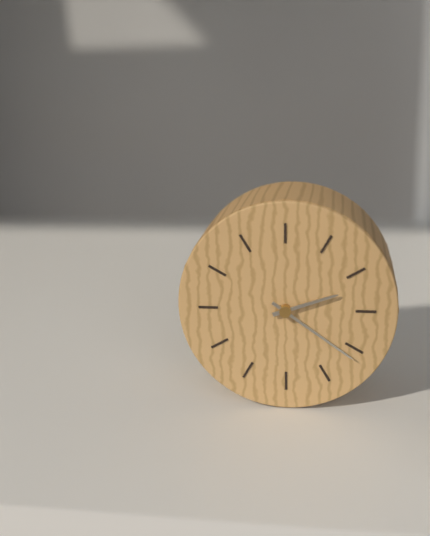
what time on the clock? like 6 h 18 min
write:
2 h 21 min
